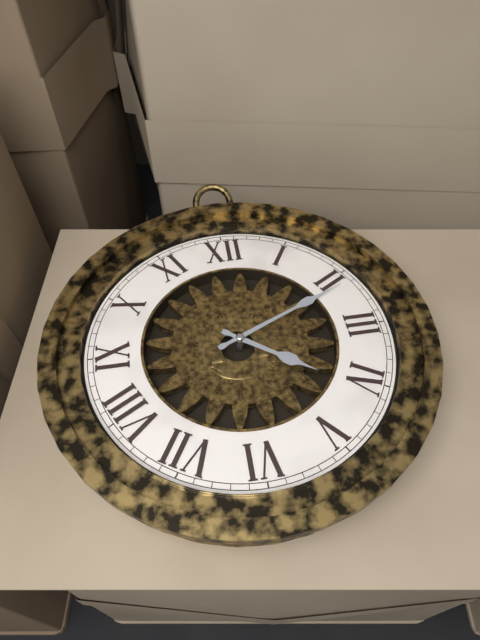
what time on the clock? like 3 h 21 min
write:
4 h 11 min
